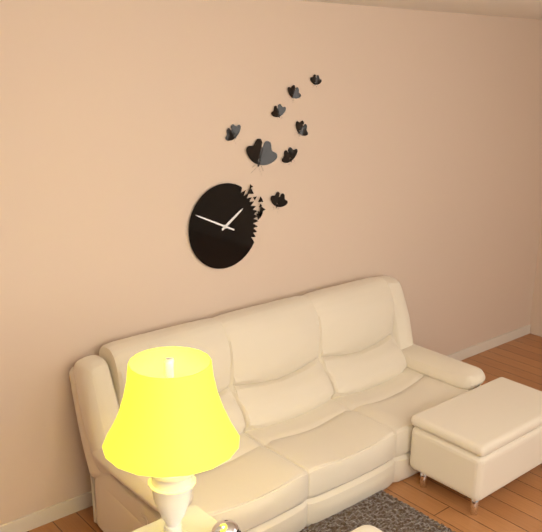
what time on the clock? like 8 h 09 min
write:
1 h 49 min
